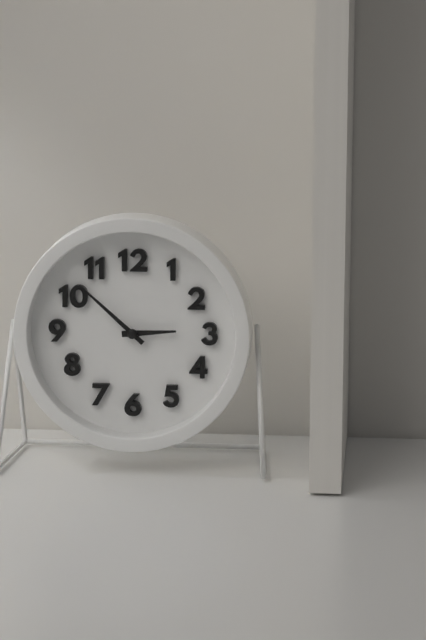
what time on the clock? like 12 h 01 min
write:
2 h 52 min
